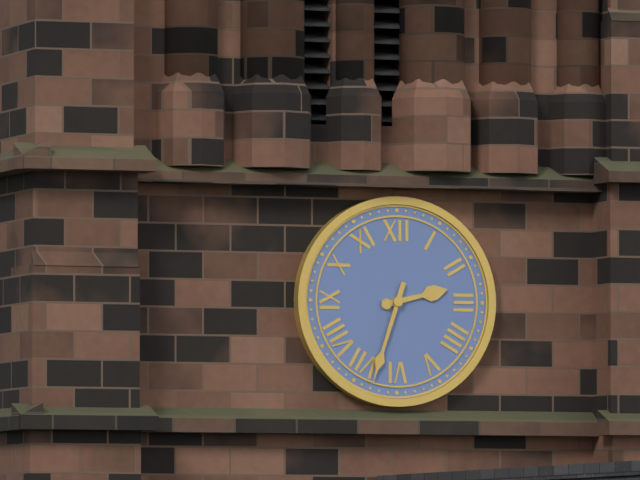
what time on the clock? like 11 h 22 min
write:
2 h 33 min
